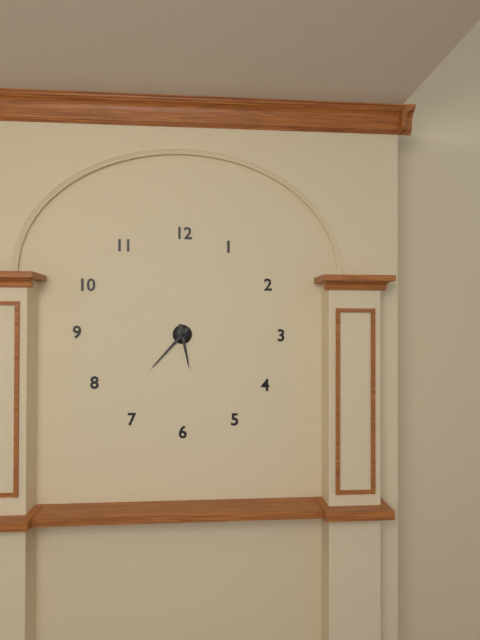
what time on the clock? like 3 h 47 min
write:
5 h 37 min
